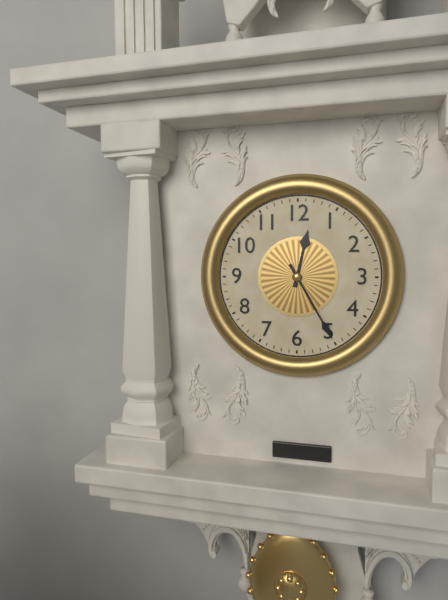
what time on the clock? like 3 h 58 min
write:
12 h 25 min
